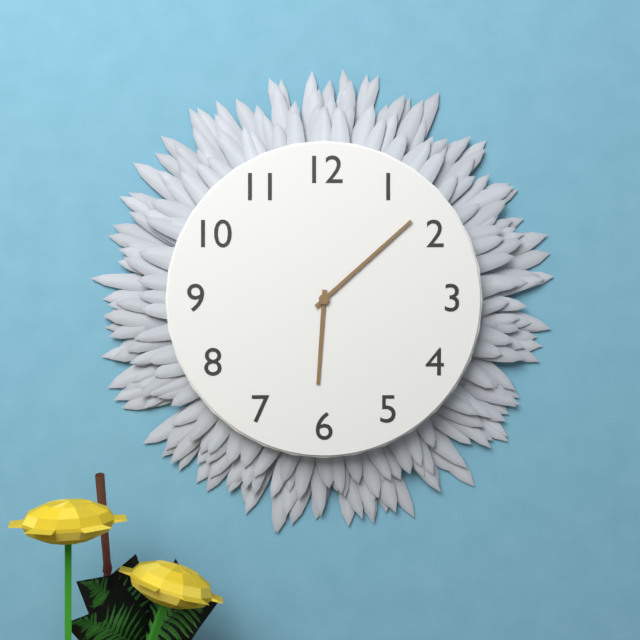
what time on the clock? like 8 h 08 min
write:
6 h 08 min
